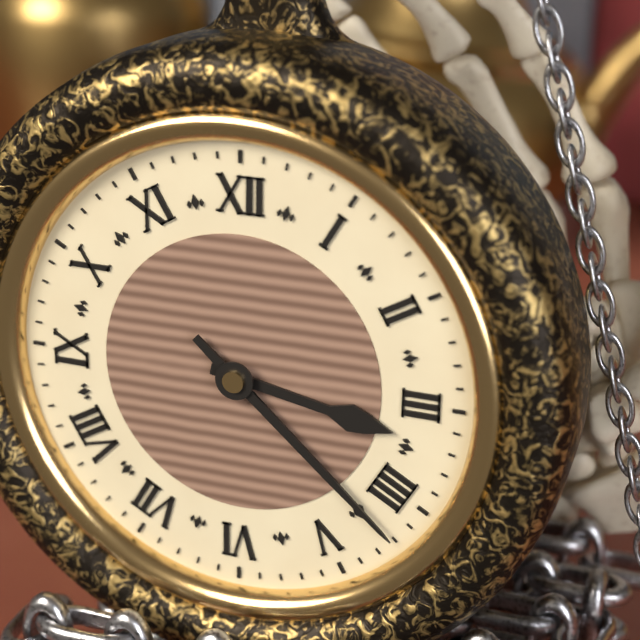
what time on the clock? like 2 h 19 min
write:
3 h 22 min
